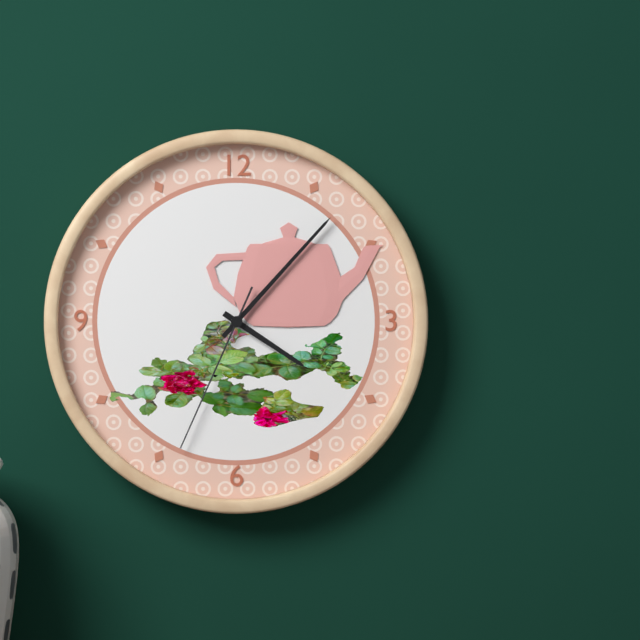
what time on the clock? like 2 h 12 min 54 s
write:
4 h 07 min 34 s
